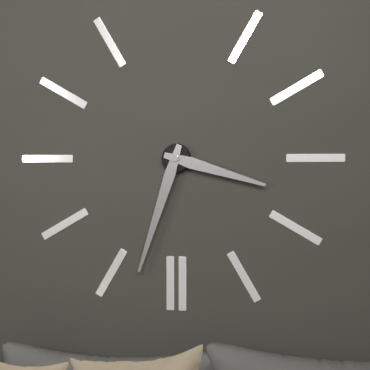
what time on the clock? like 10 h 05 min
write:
3 h 33 min
